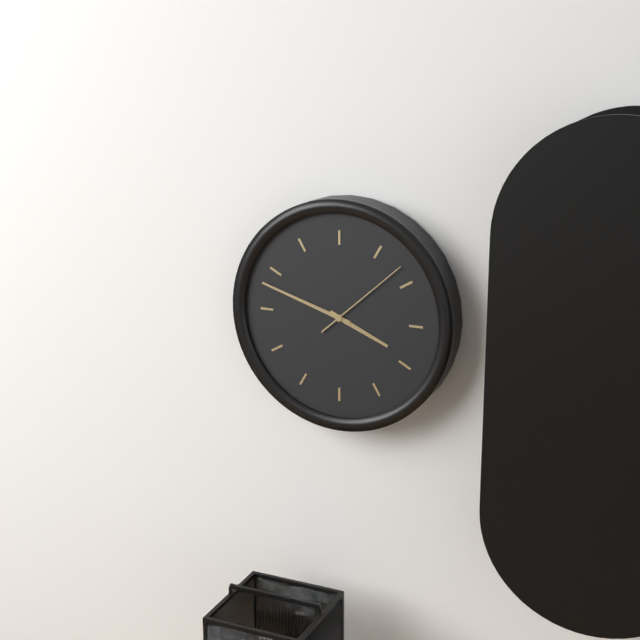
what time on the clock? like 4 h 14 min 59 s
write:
3 h 48 min 08 s
